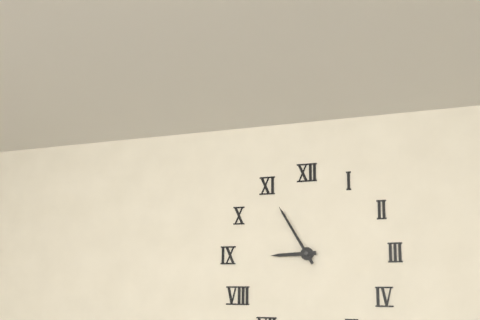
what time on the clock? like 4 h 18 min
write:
8 h 55 min
